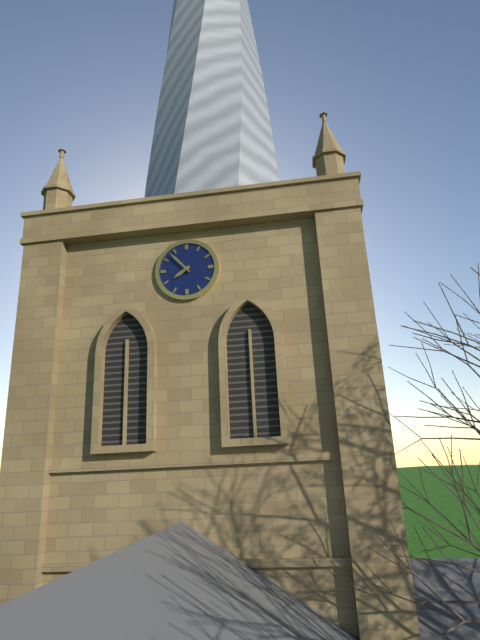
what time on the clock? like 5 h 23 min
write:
7 h 53 min
